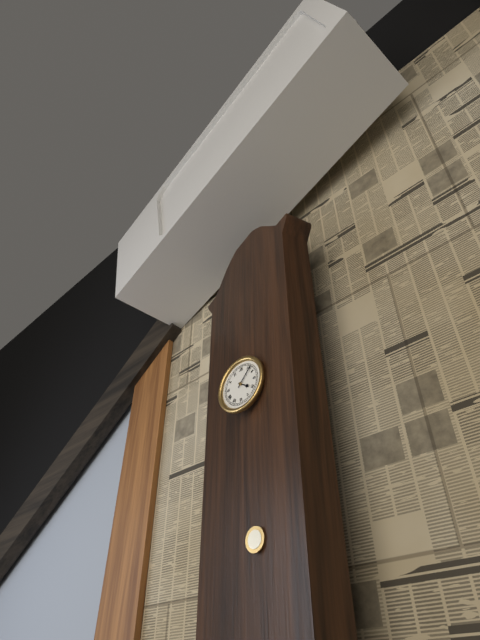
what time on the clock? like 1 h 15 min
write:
4 h 07 min
